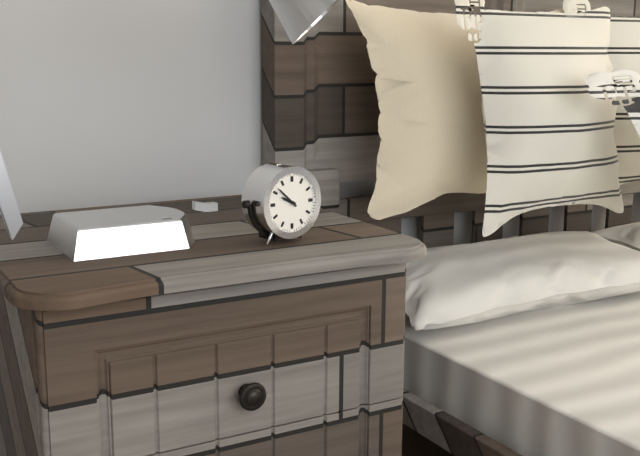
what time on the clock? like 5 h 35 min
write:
9 h 52 min
